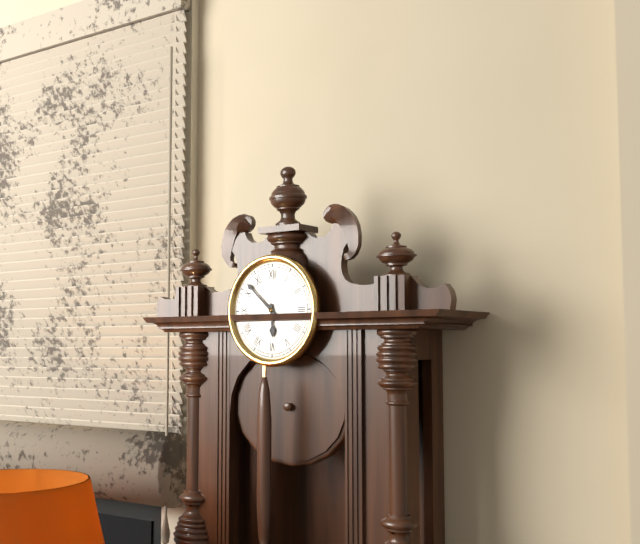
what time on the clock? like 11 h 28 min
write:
5 h 52 min
